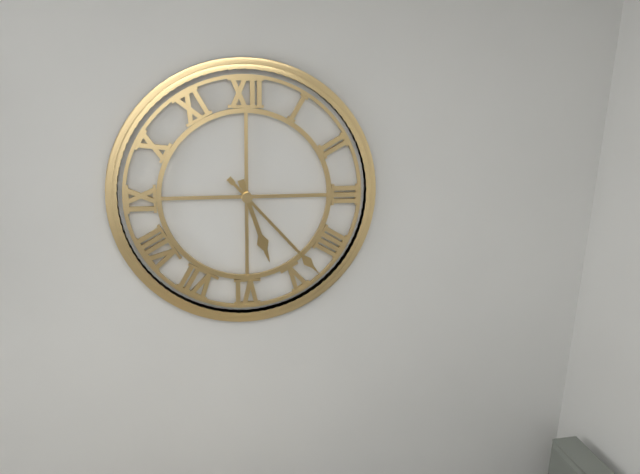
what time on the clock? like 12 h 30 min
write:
5 h 23 min
